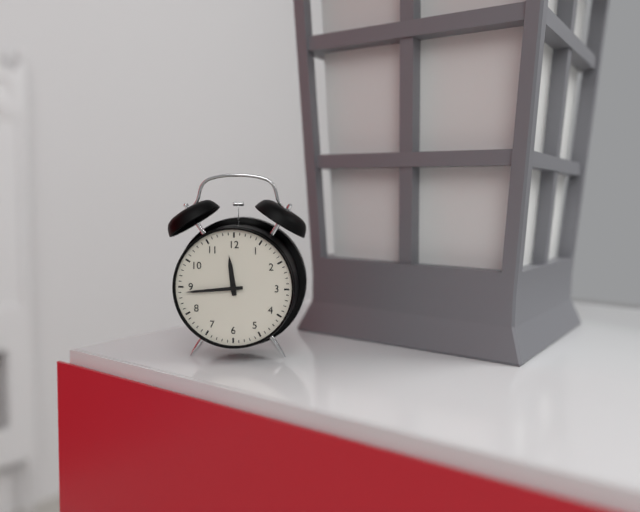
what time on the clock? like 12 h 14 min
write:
11 h 44 min
